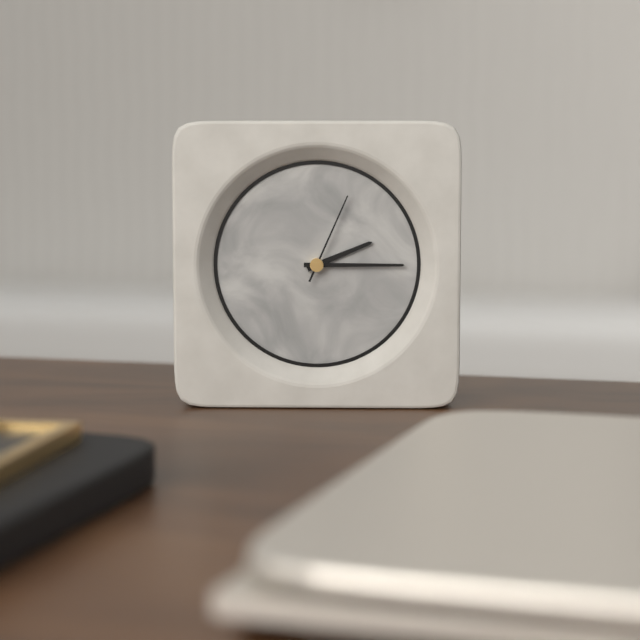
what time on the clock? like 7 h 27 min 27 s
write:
2 h 15 min 04 s
